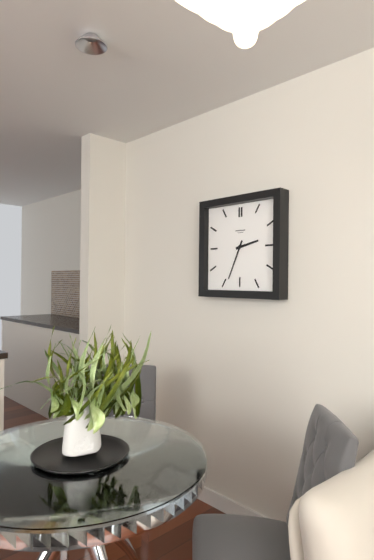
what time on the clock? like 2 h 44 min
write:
2 h 34 min
